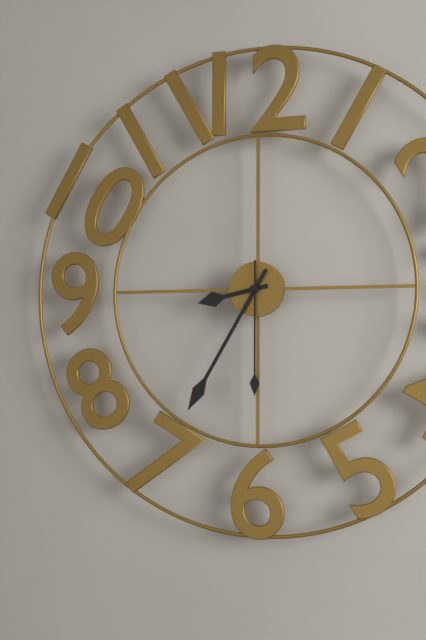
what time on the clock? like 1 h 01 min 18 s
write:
8 h 35 min 30 s
